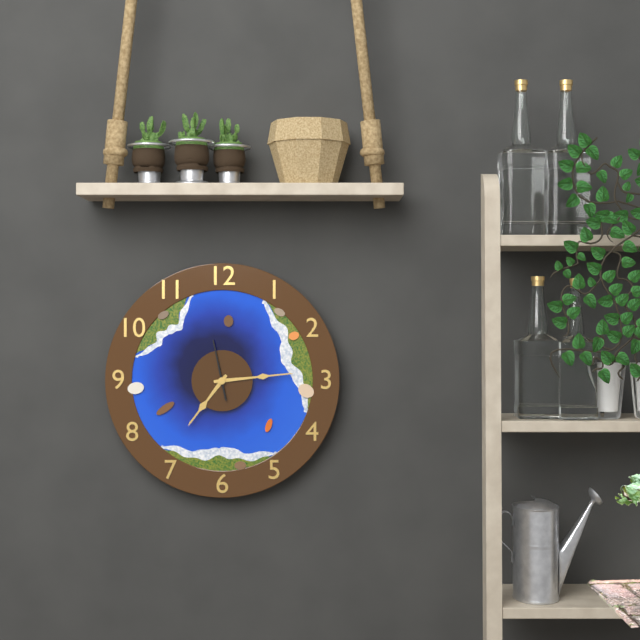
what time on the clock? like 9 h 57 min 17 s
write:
7 h 14 min 58 s
